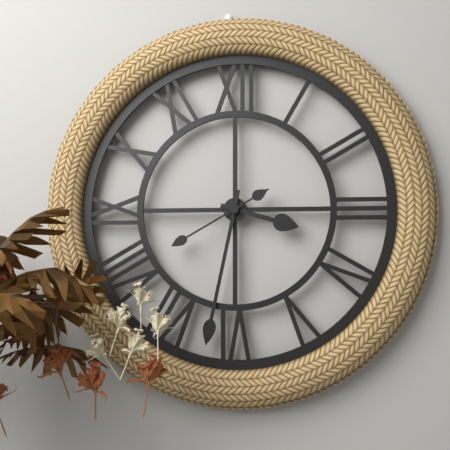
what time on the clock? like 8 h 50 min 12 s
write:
3 h 32 min 40 s
